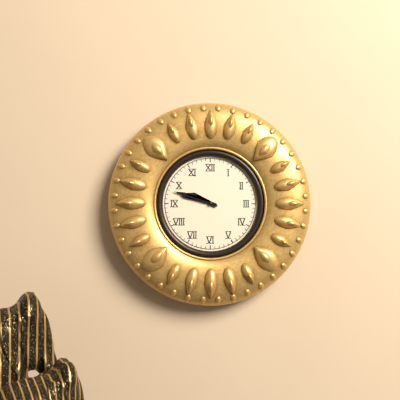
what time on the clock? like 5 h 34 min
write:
9 h 48 min
